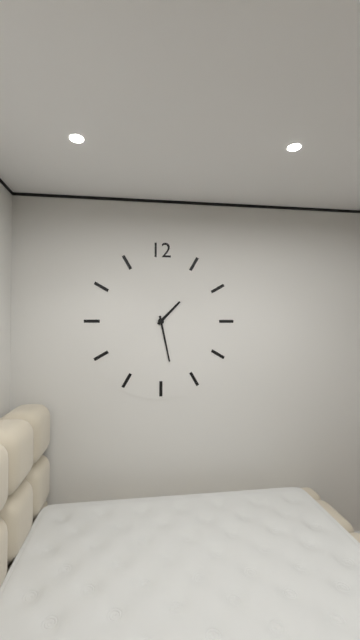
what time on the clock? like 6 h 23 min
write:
1 h 28 min
